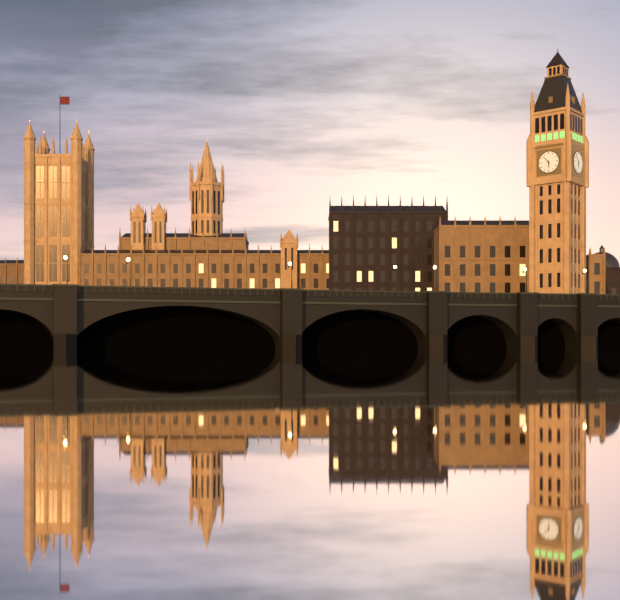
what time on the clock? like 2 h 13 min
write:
5 h 53 min
